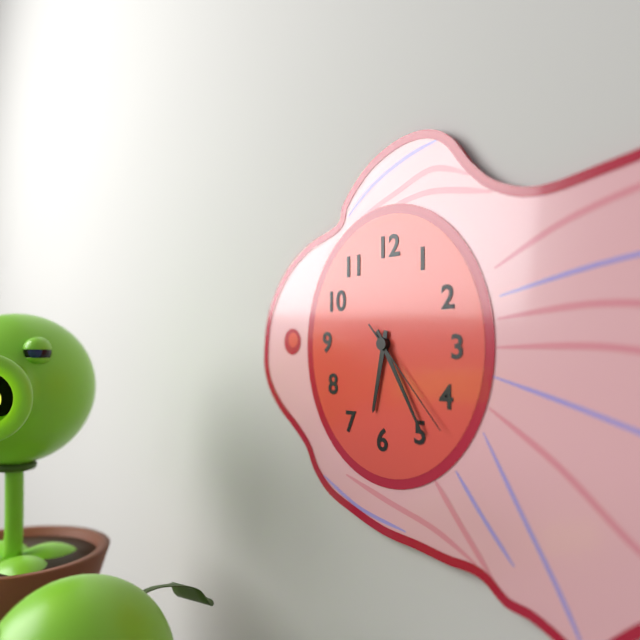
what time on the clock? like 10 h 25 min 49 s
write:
6 h 25 min 23 s
